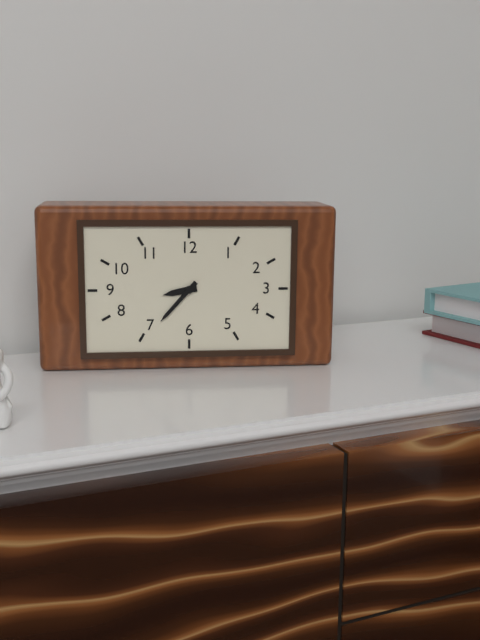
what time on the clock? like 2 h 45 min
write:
8 h 37 min
